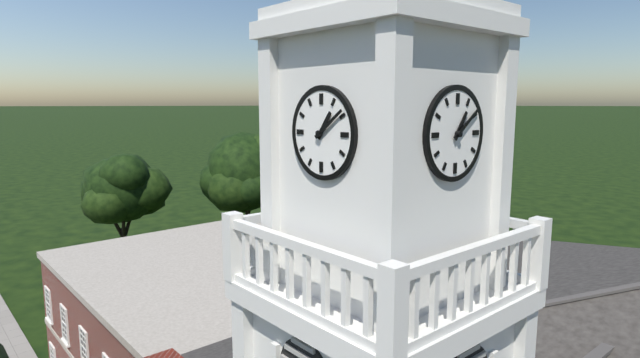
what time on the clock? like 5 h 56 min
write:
1 h 09 min
